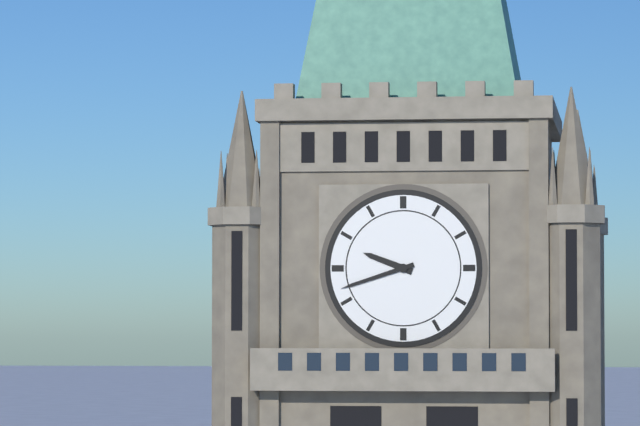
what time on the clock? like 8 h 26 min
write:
9 h 42 min
